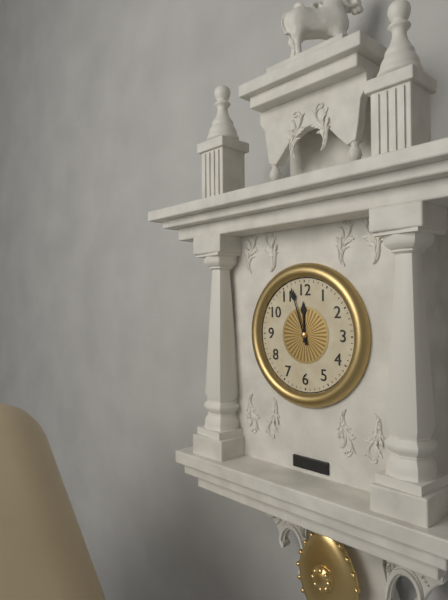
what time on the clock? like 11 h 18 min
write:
11 h 57 min
